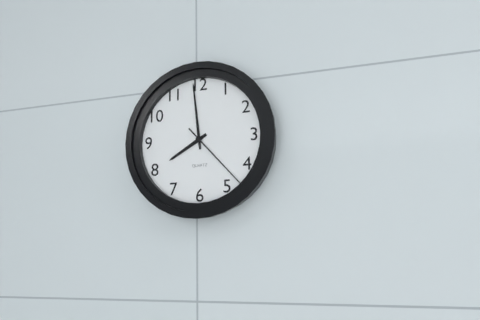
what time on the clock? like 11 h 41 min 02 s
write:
7 h 59 min 23 s
